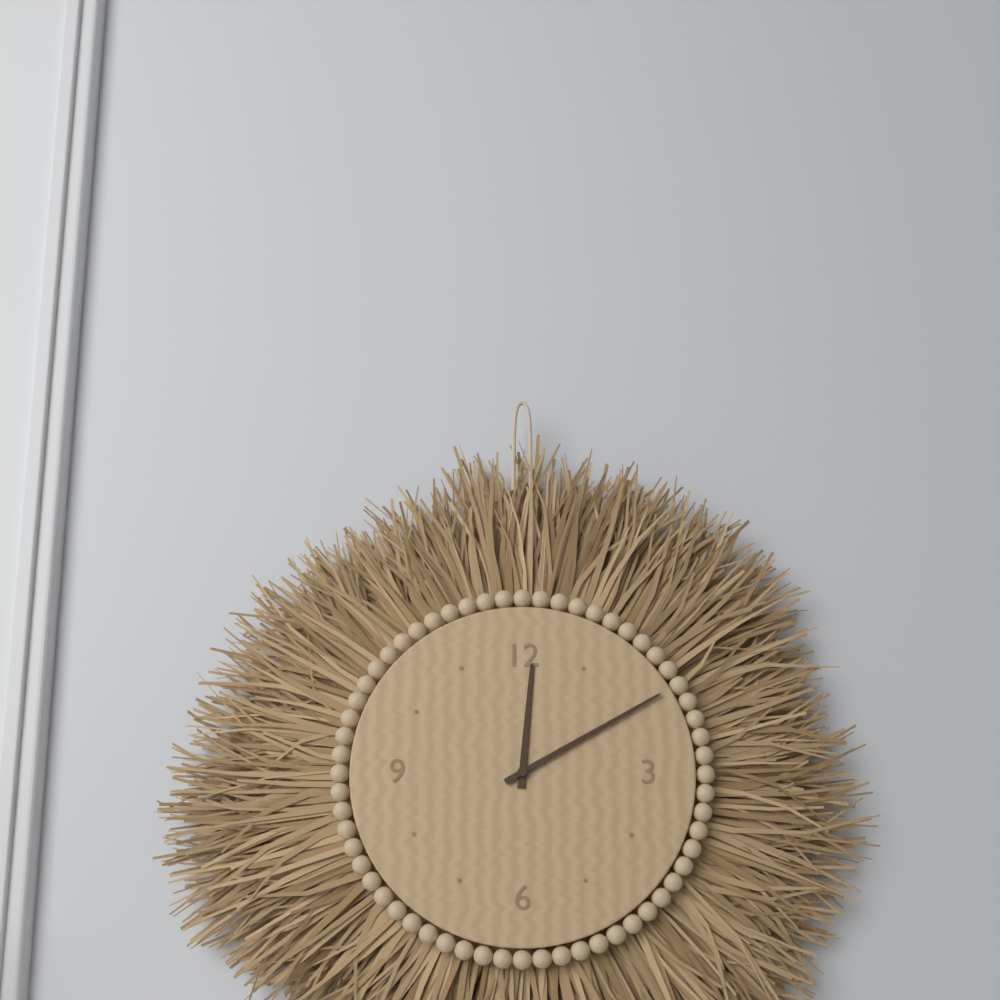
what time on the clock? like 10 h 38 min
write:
12 h 10 min
